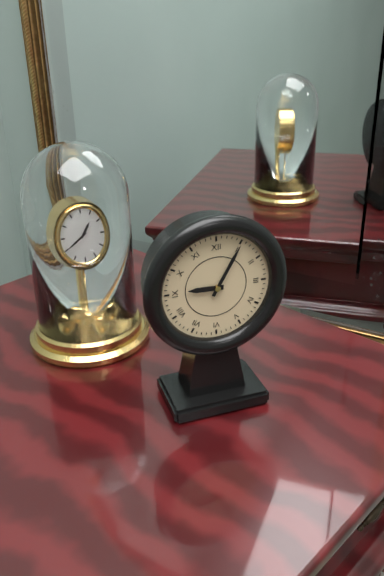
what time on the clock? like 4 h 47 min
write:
9 h 05 min
